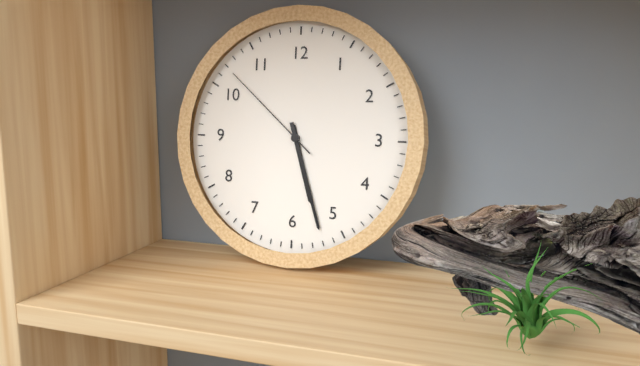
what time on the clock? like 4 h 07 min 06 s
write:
5 h 27 min 52 s
